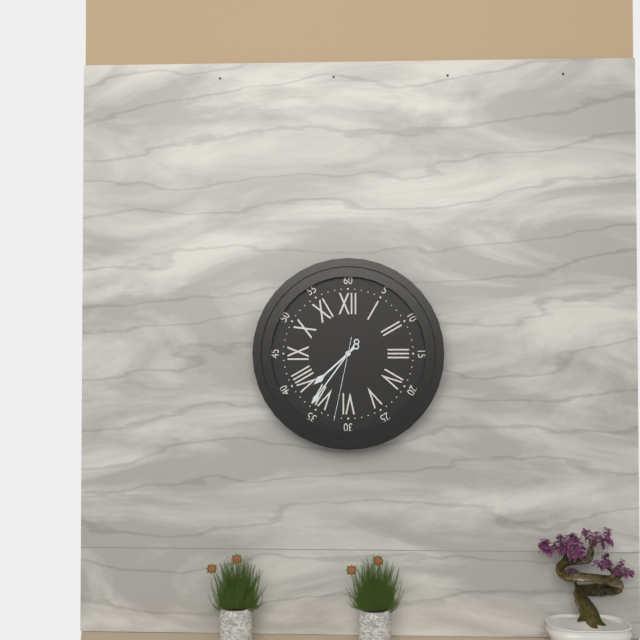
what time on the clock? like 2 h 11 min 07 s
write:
7 h 36 min 32 s
